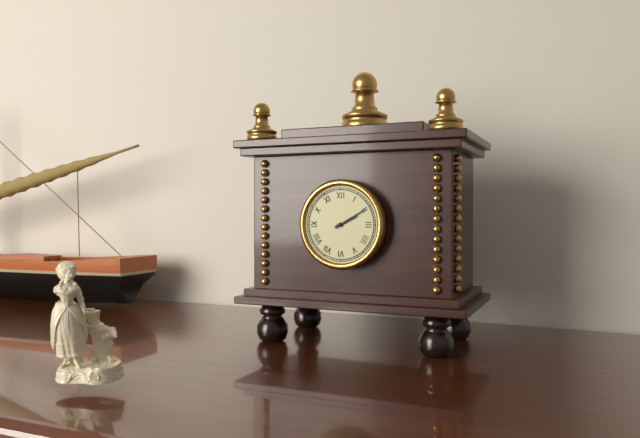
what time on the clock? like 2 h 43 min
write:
2 h 10 min
